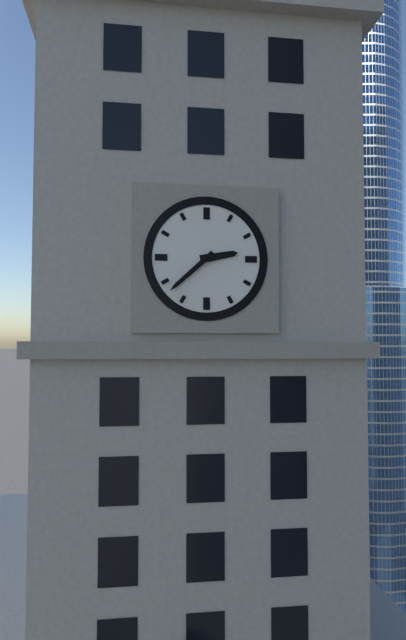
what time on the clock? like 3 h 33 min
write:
2 h 38 min
